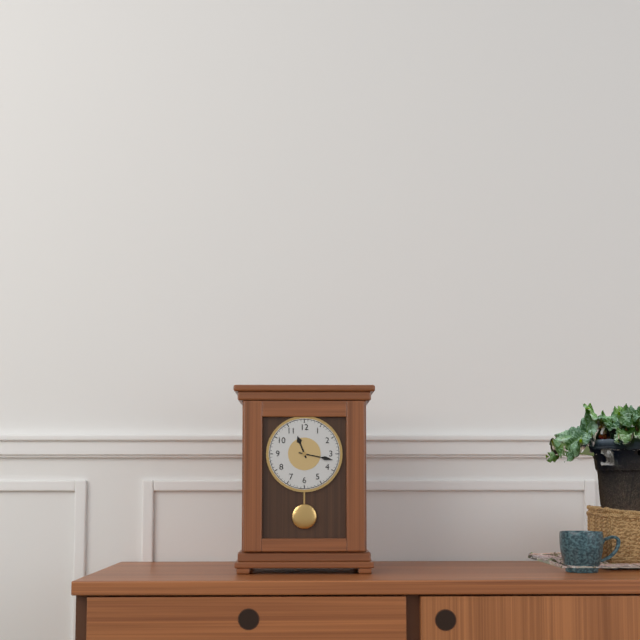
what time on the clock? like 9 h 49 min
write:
11 h 17 min
